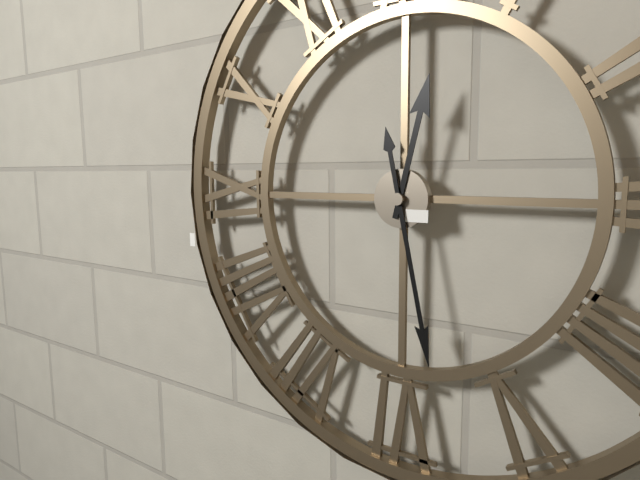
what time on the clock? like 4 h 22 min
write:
12 h 28 min
